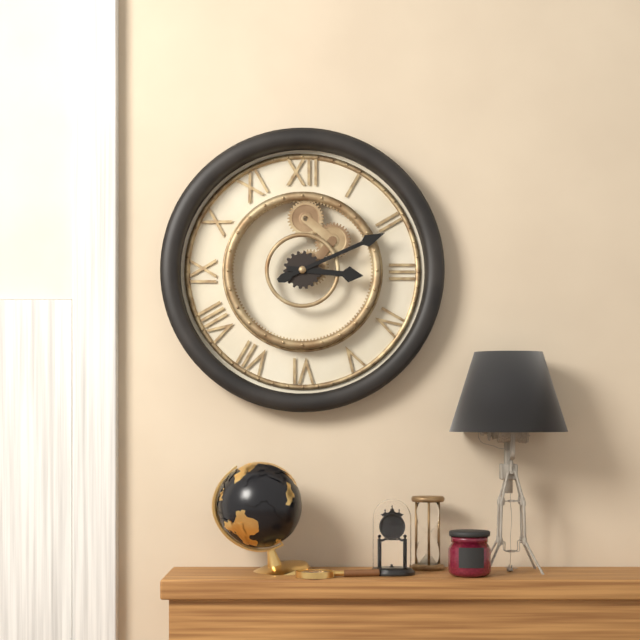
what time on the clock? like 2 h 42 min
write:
3 h 11 min
